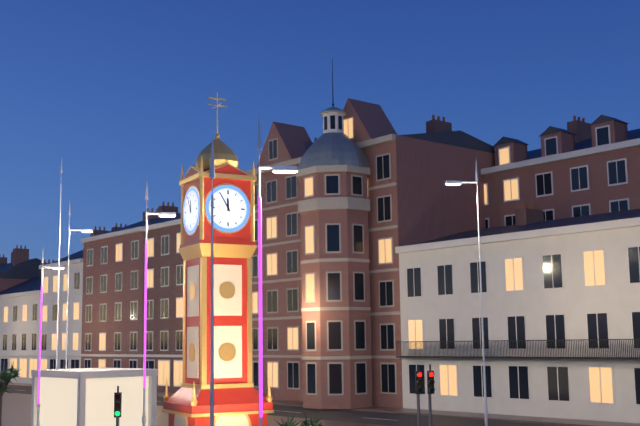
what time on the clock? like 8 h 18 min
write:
11 h 55 min
